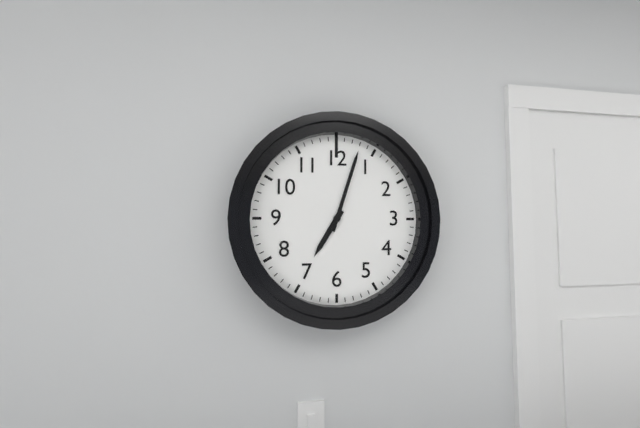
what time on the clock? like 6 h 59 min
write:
7 h 03 min
